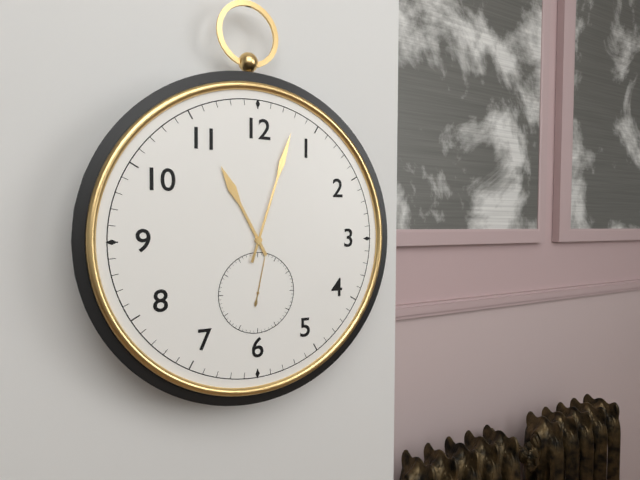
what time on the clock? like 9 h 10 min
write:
11 h 03 min
